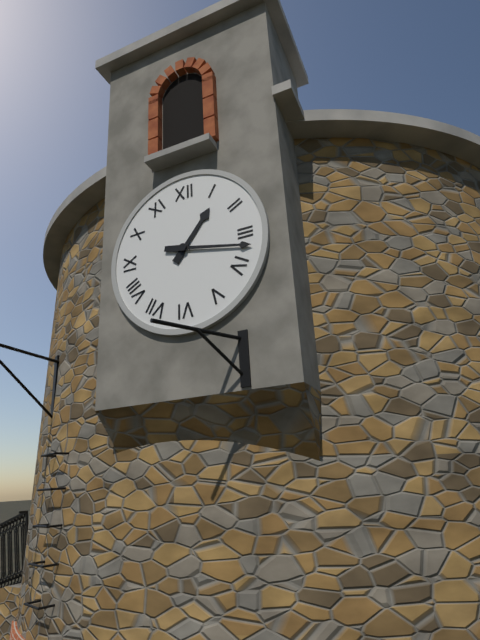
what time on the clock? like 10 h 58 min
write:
1 h 17 min
